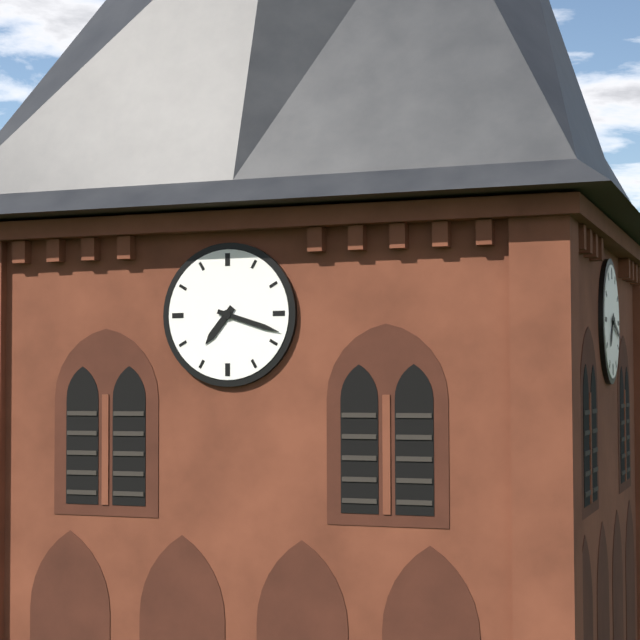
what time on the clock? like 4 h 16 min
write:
7 h 18 min
